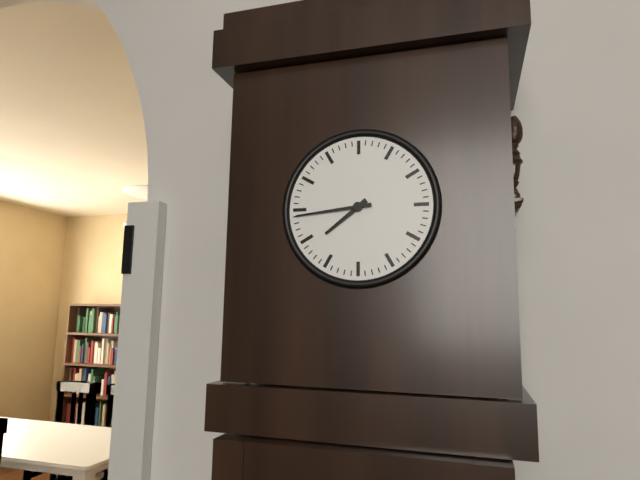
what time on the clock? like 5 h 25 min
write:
7 h 44 min
